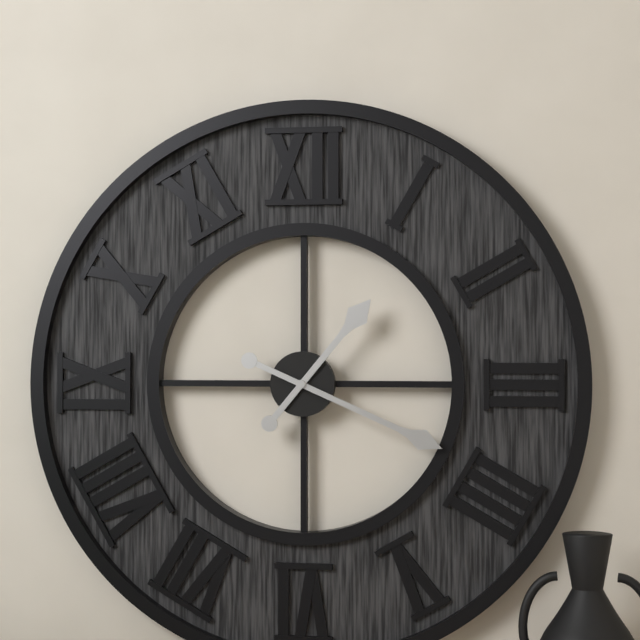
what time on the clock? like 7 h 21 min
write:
1 h 19 min
